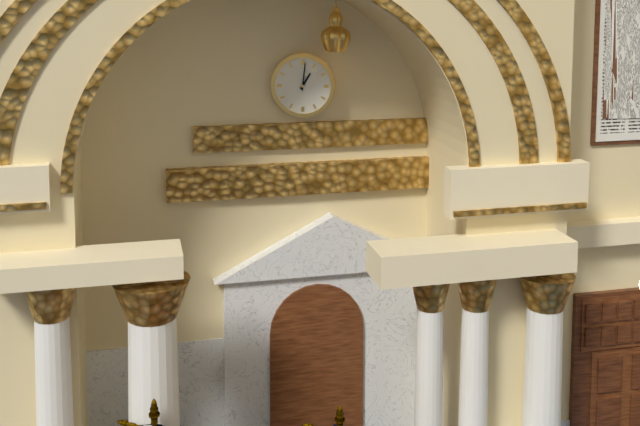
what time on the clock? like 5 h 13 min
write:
1 h 01 min
